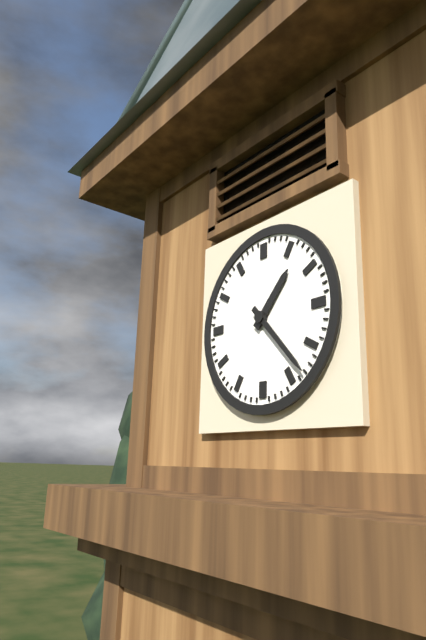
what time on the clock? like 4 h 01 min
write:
1 h 23 min
